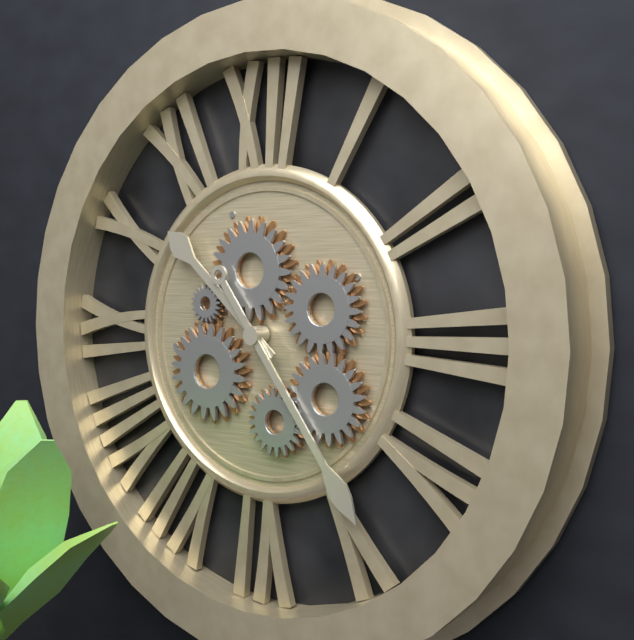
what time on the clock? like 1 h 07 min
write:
10 h 24 min
